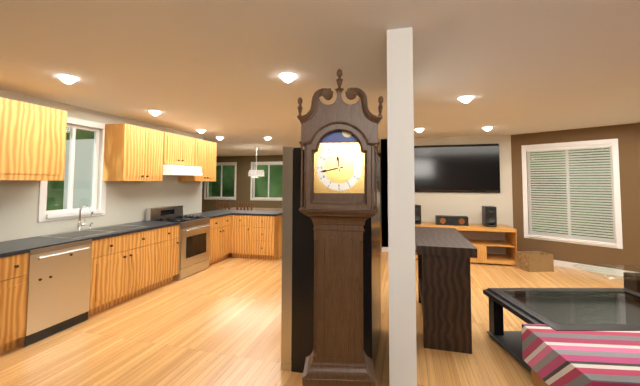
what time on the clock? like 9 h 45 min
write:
11 h 43 min
